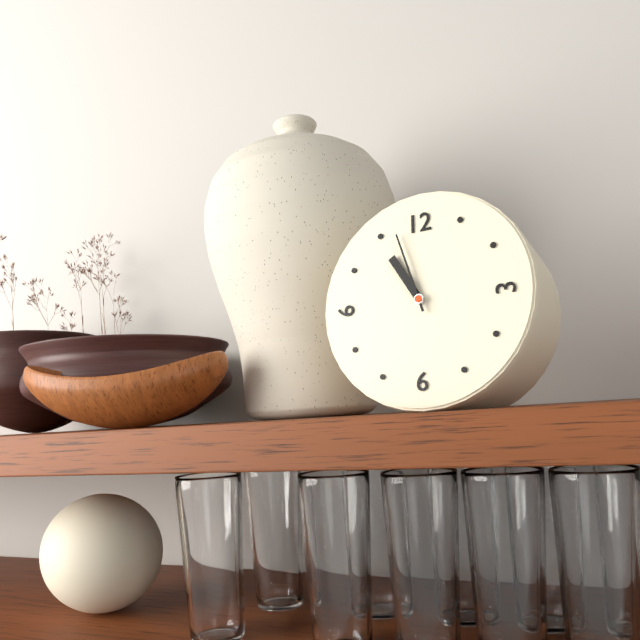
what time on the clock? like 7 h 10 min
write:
10 h 57 min
